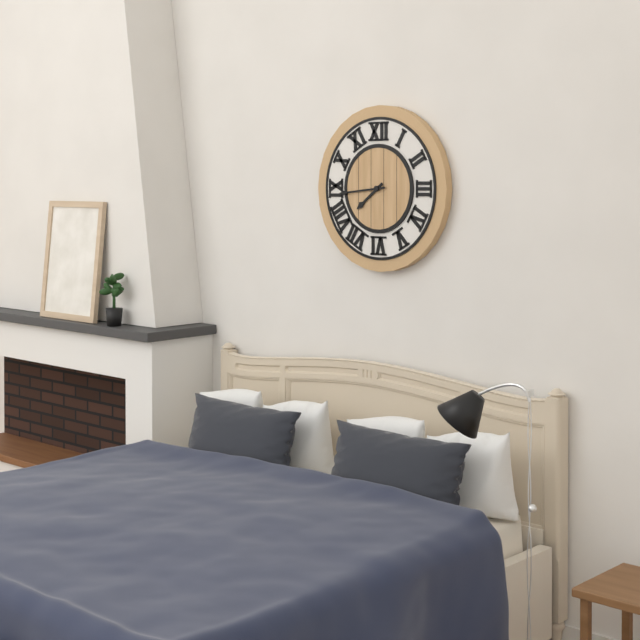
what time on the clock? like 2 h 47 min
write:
7 h 44 min
